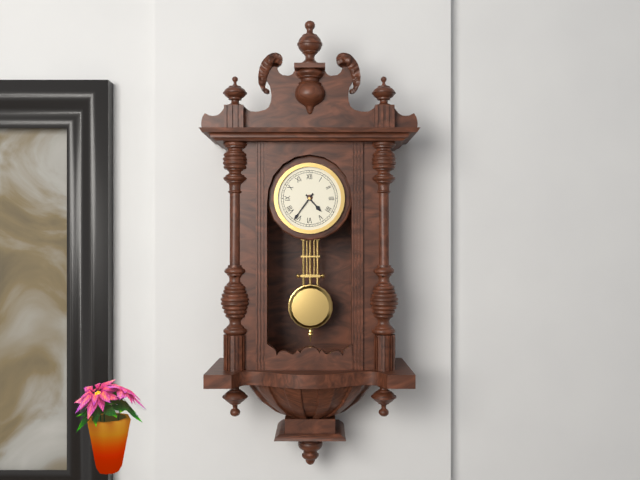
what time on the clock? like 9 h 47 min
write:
4 h 36 min
